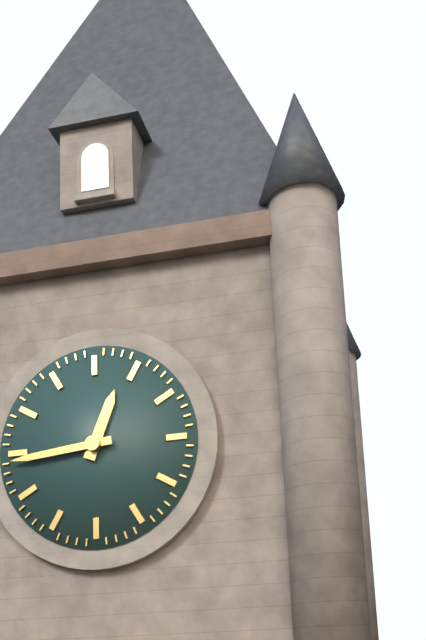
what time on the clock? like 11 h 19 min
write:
12 h 44 min
